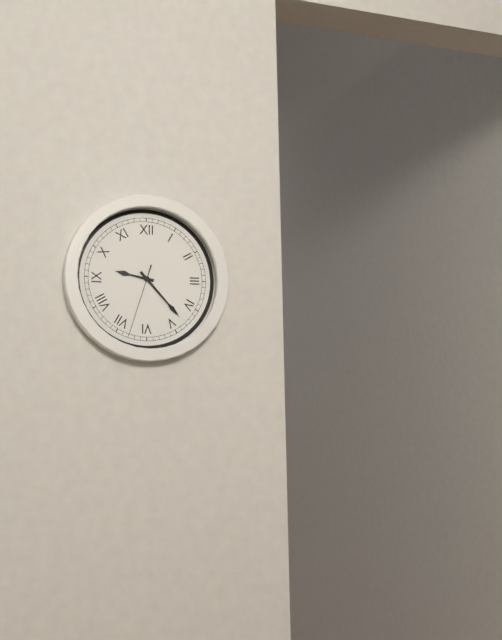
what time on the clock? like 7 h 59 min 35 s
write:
9 h 23 min 33 s
